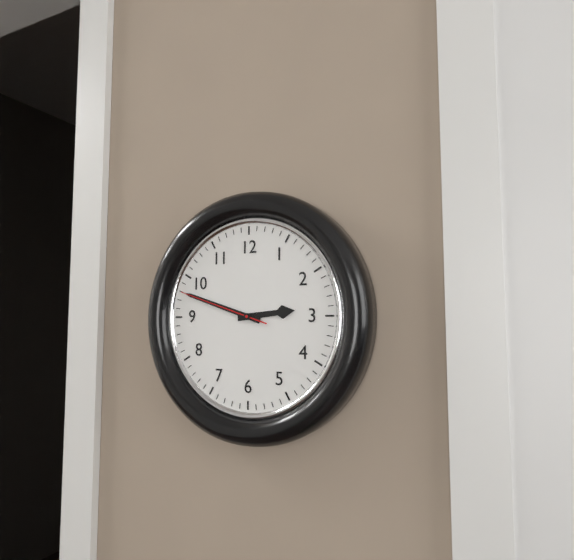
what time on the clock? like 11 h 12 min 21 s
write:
2 h 48 min 48 s
